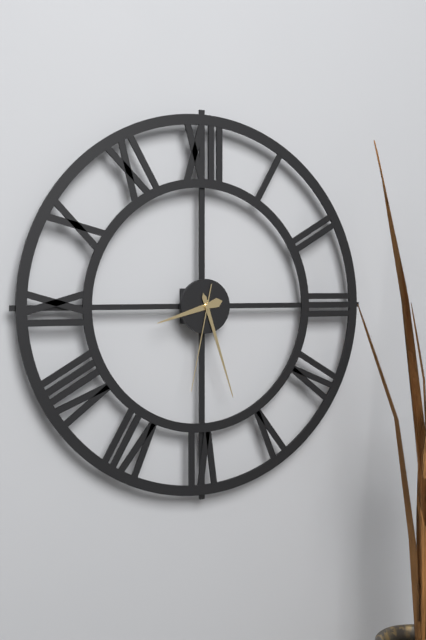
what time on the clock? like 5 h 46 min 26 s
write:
8 h 27 min 32 s
